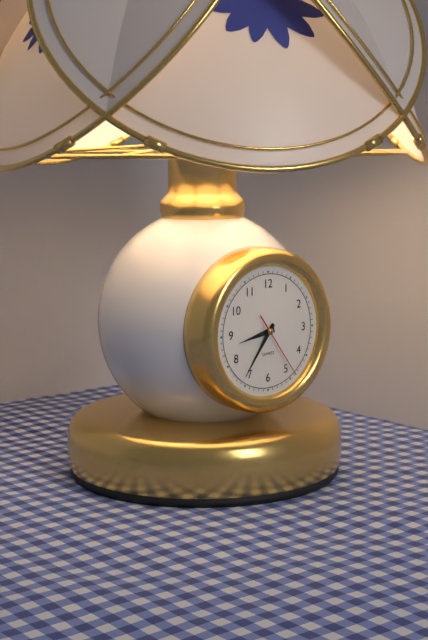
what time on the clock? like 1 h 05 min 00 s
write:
8 h 36 min 24 s
